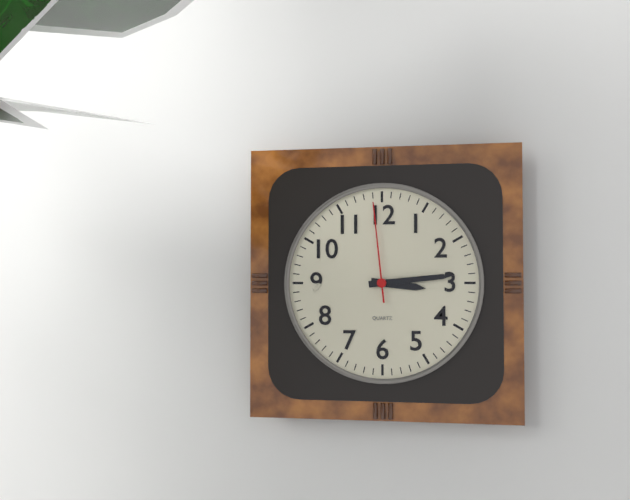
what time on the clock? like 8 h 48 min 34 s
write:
3 h 14 min 59 s
